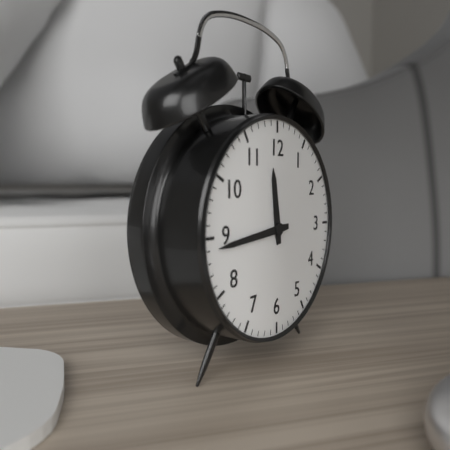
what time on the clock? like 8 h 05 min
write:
11 h 44 min
